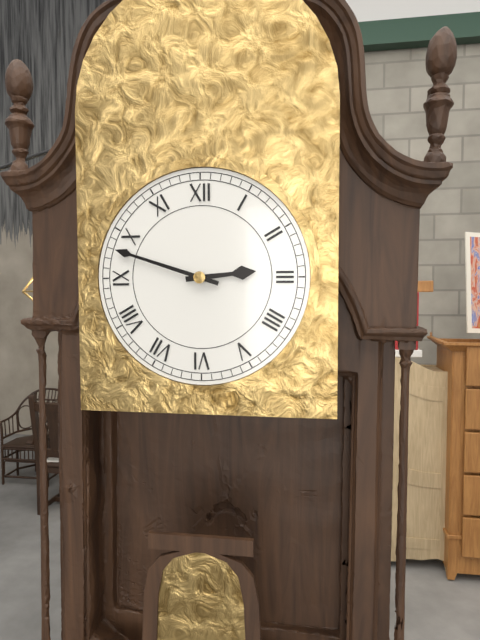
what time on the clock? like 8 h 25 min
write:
2 h 48 min
